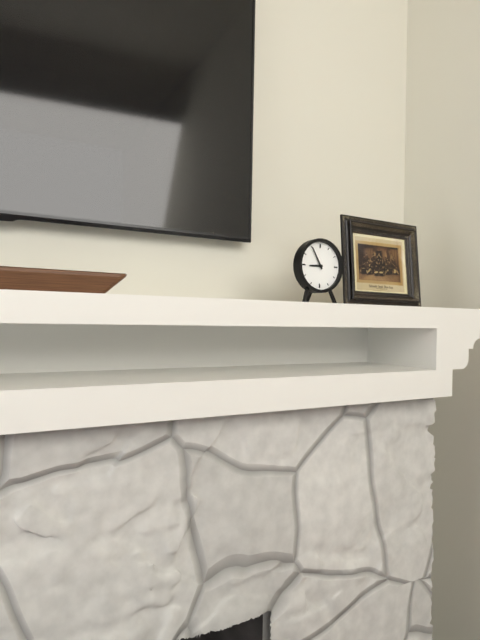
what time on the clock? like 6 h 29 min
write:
8 h 55 min
